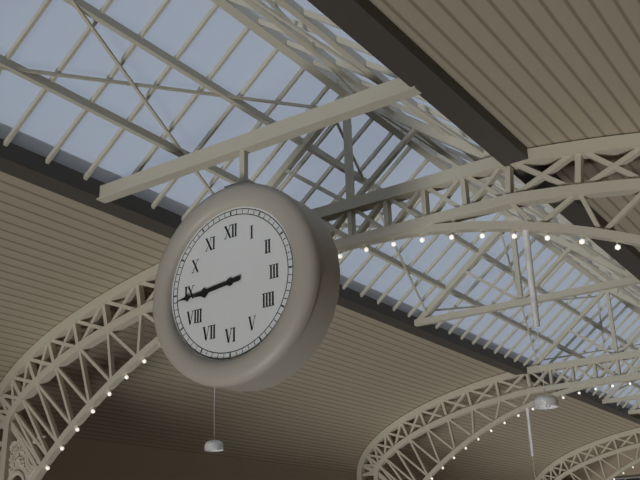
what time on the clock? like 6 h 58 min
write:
8 h 44 min
